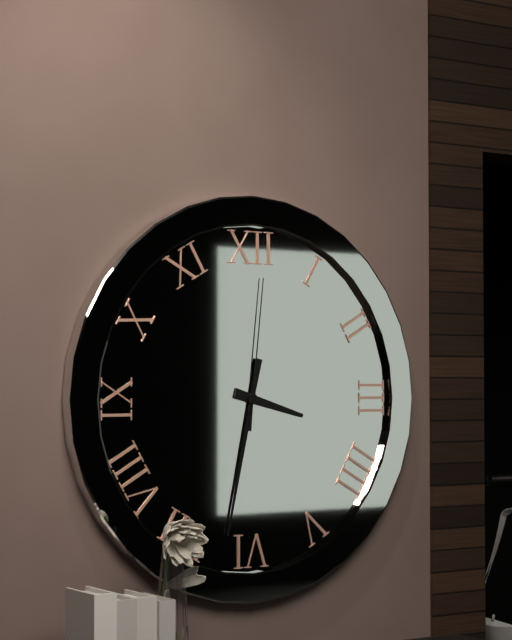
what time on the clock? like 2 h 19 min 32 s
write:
3 h 32 min 01 s
